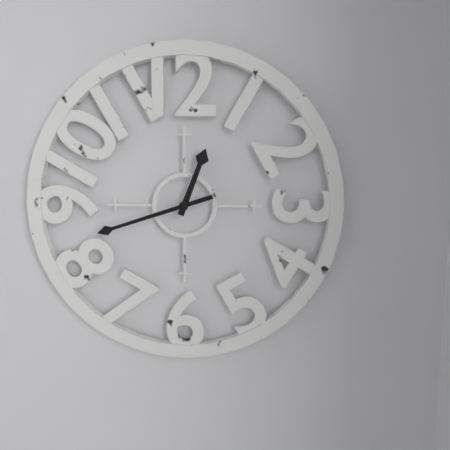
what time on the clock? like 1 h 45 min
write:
12 h 42 min
